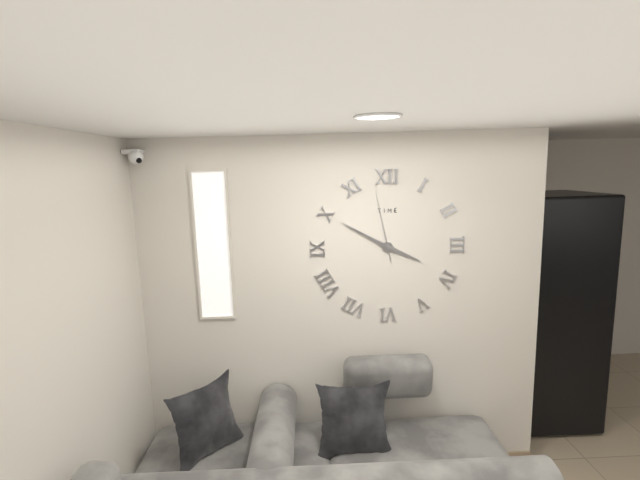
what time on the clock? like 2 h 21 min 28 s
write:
3 h 50 min 58 s
